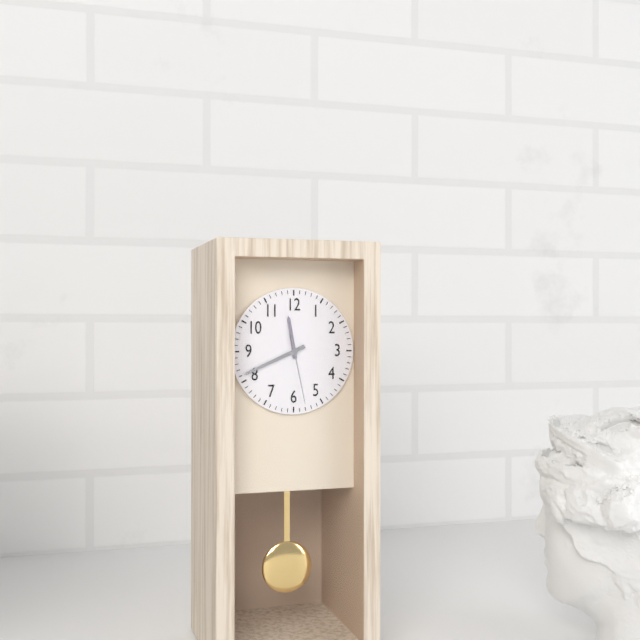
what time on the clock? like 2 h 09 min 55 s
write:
11 h 41 min 28 s
